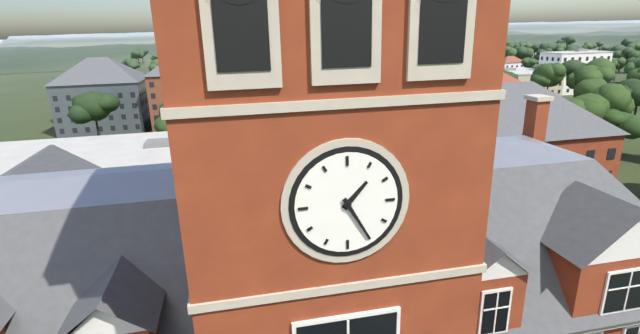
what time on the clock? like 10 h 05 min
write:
1 h 25 min
